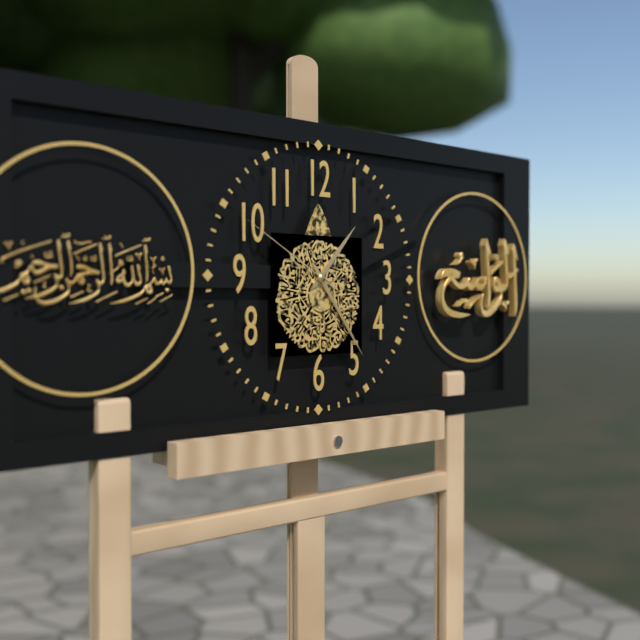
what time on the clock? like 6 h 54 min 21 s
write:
1 h 24 min 50 s
